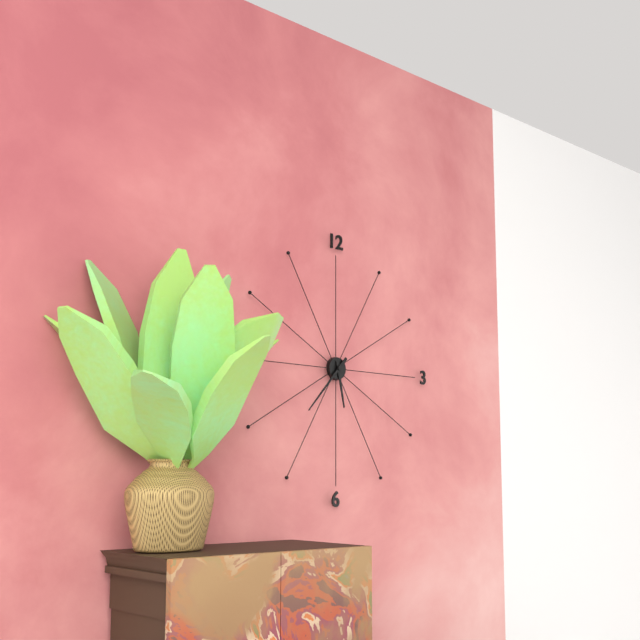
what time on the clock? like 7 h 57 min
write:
5 h 37 min
